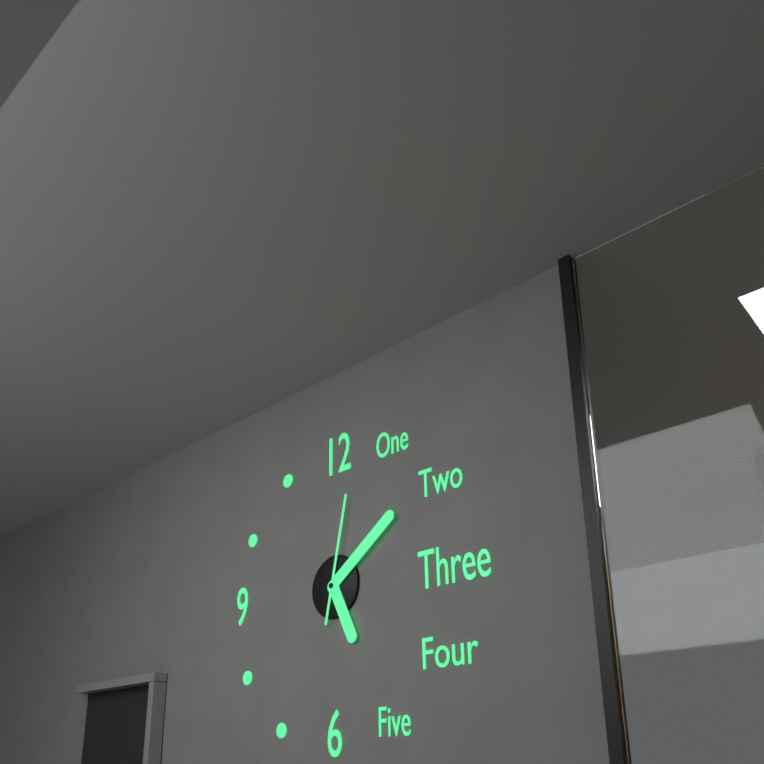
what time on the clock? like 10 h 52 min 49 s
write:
5 h 09 min 02 s
